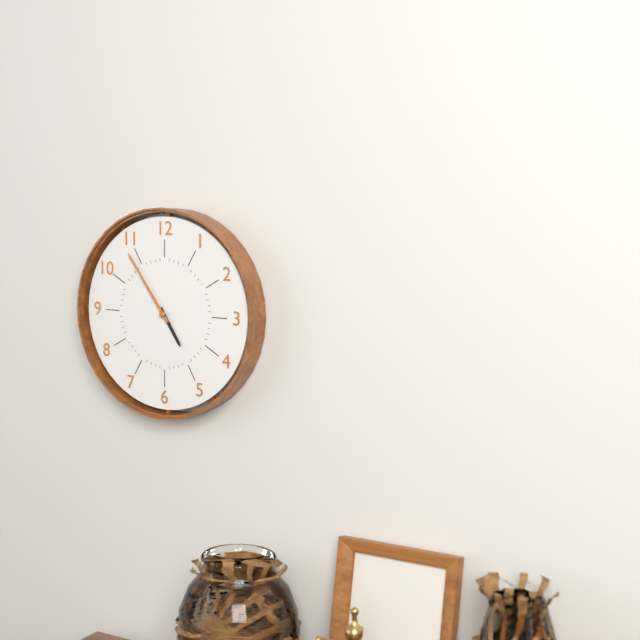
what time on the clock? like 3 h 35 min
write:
4 h 54 min
